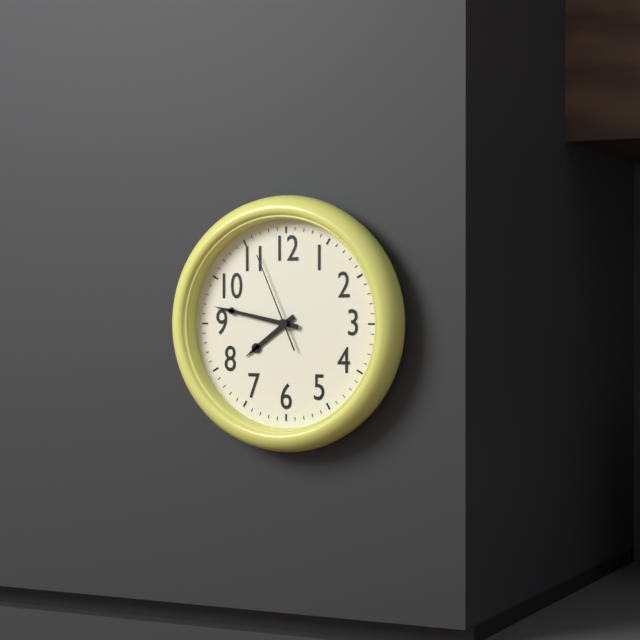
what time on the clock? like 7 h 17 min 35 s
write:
7 h 47 min 56 s
